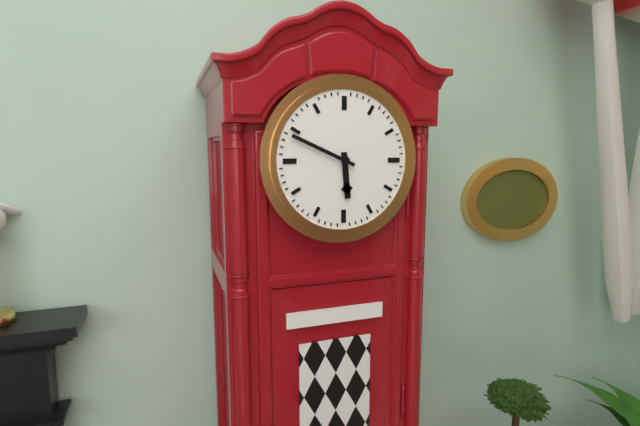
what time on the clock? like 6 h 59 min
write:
5 h 49 min
